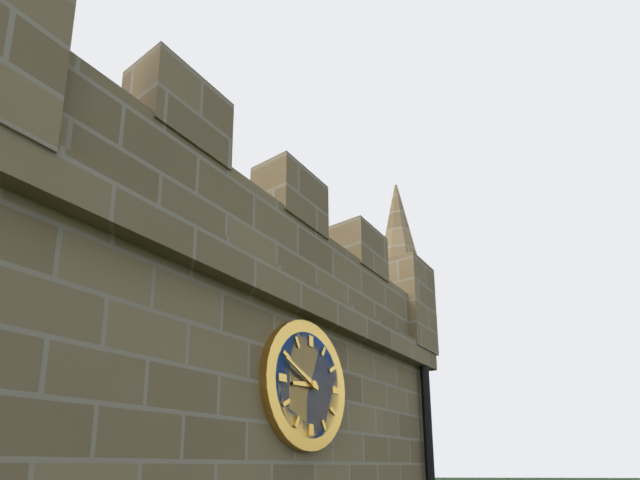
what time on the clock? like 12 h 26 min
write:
8 h 49 min
